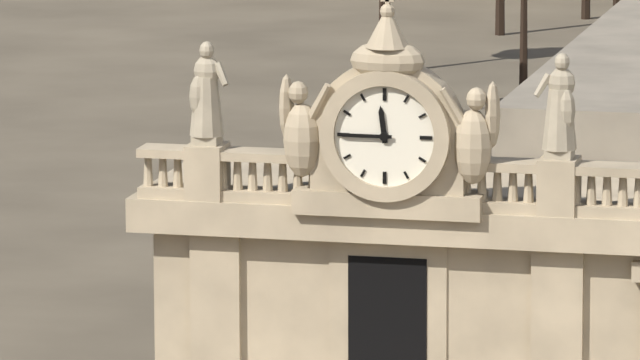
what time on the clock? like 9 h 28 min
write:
11 h 45 min
